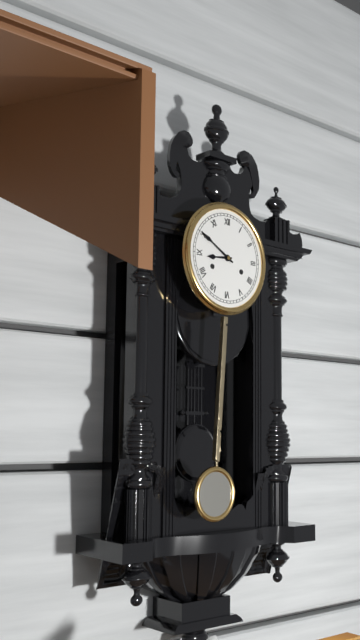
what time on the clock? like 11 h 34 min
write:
8 h 50 min
